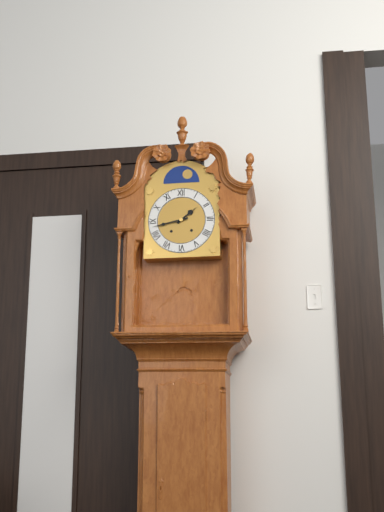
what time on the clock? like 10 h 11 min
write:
1 h 43 min
